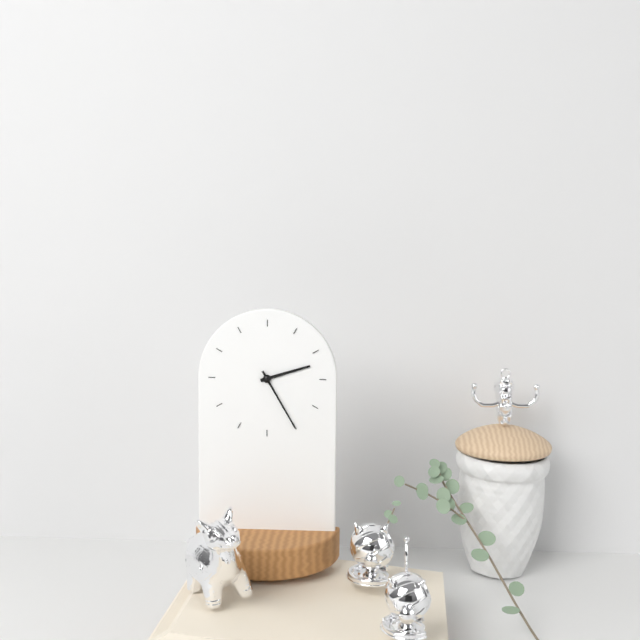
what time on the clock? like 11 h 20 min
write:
2 h 25 min
